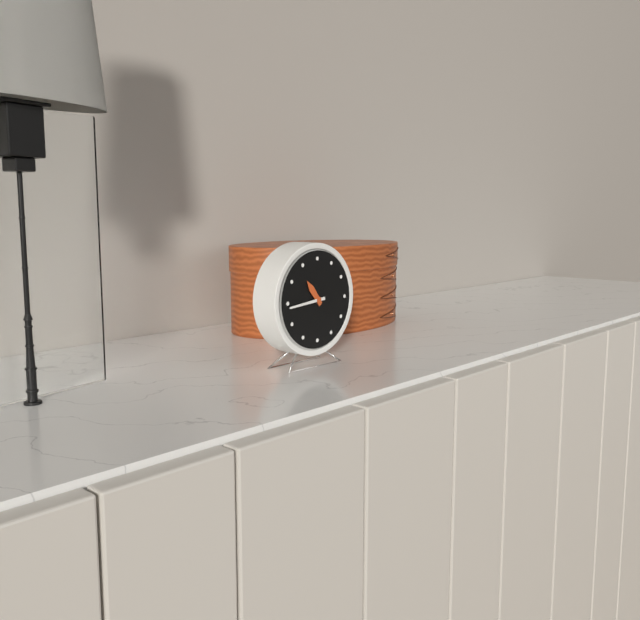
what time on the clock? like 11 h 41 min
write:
10 h 44 min
